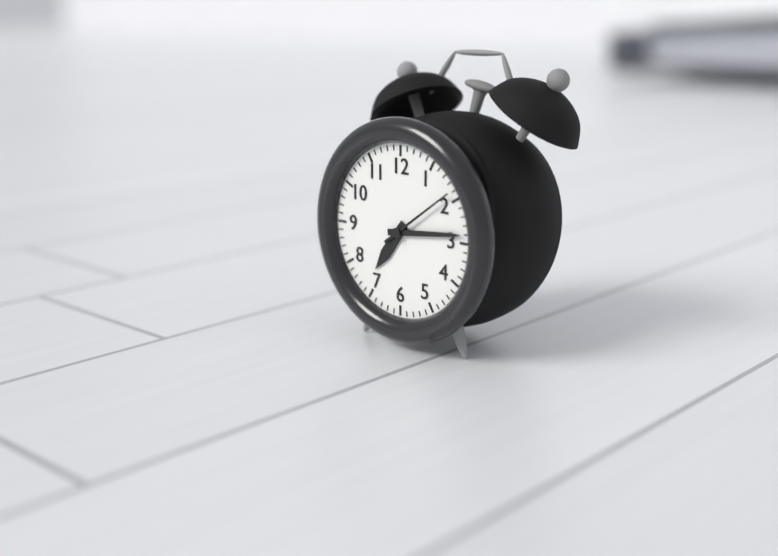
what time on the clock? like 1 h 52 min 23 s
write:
7 h 14 min 09 s
